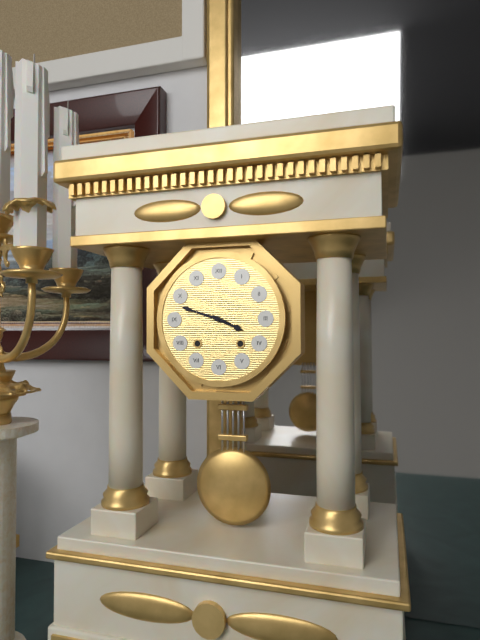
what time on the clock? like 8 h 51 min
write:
3 h 48 min
